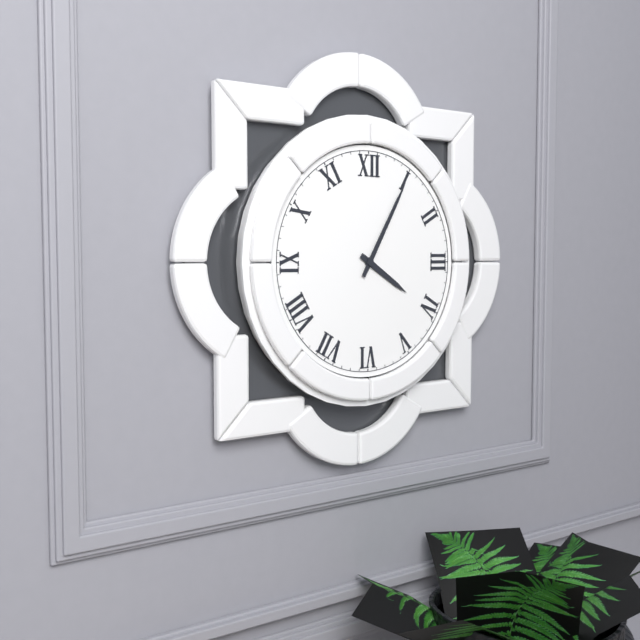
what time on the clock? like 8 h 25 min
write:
4 h 05 min
